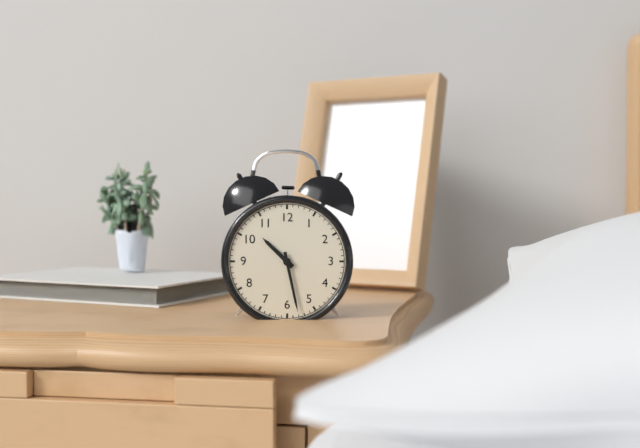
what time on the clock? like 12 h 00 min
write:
10 h 28 min
